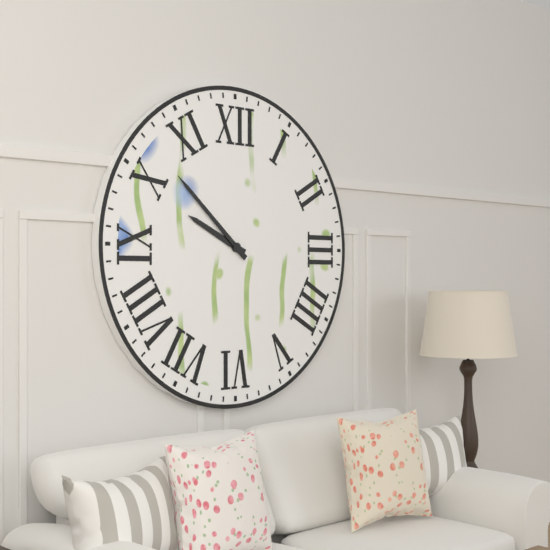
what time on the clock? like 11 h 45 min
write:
9 h 52 min
